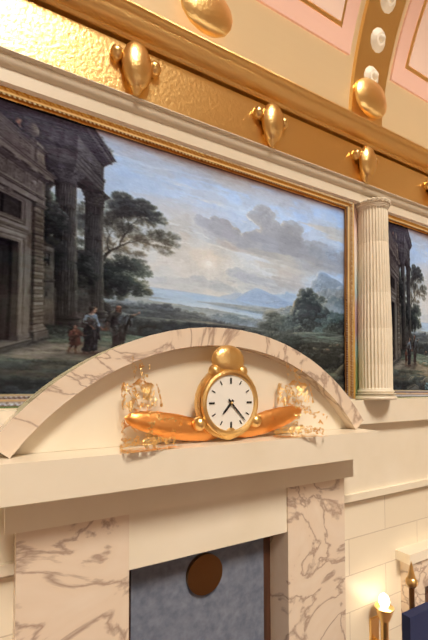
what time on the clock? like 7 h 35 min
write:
7 h 23 min
